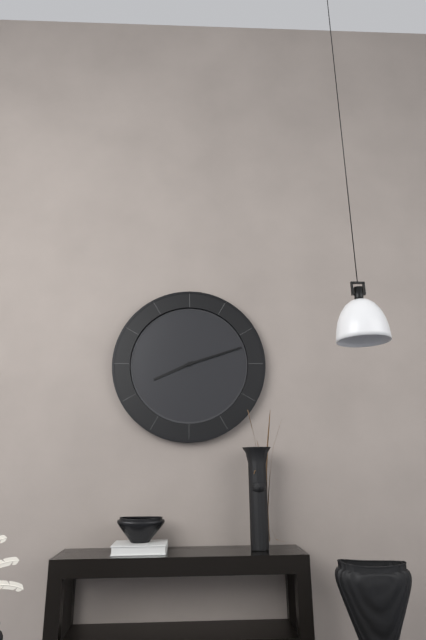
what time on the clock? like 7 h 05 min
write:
8 h 12 min
